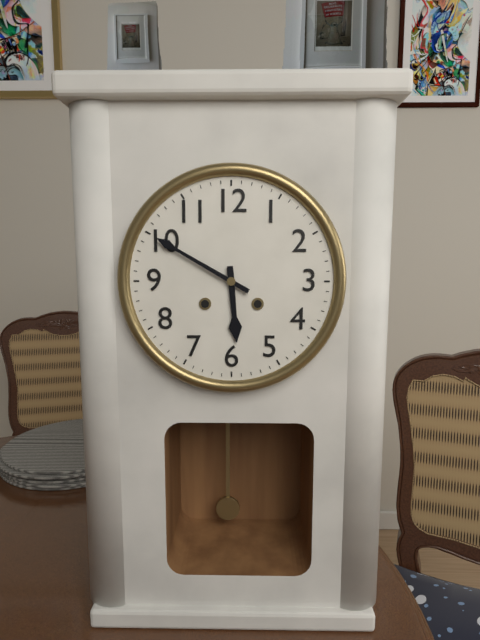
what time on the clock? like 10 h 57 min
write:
5 h 50 min
